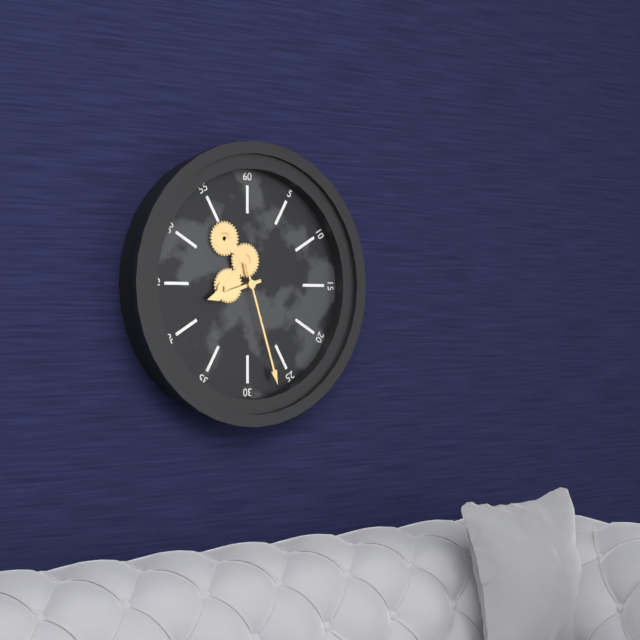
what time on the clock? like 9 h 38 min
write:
8 h 27 min
